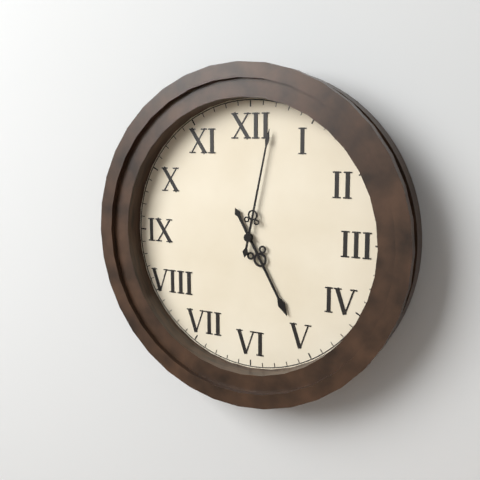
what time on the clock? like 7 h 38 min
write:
5 h 02 min
